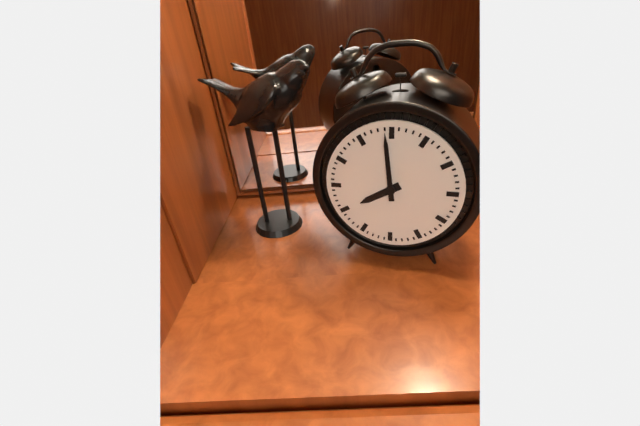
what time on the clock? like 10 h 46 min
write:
7 h 59 min
